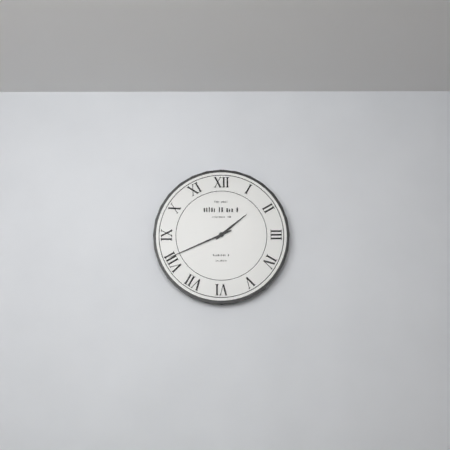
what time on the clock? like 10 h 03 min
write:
1 h 41 min
